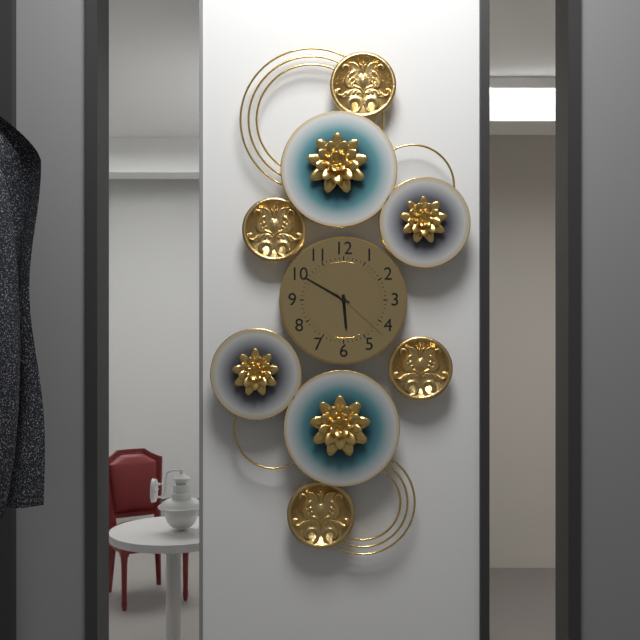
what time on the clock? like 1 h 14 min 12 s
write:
5 h 50 min 22 s
